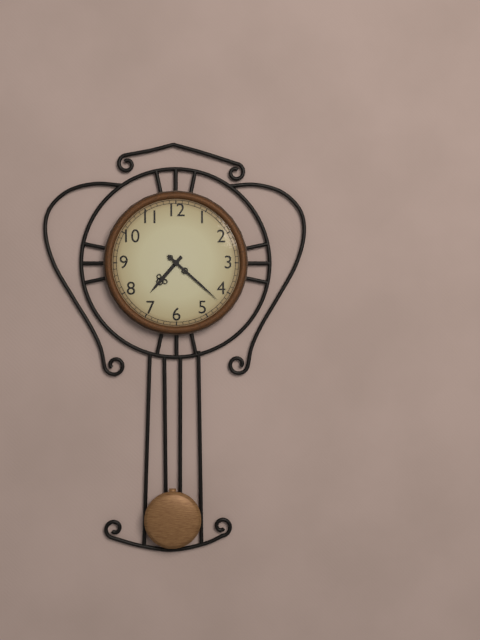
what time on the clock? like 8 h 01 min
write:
7 h 22 min
